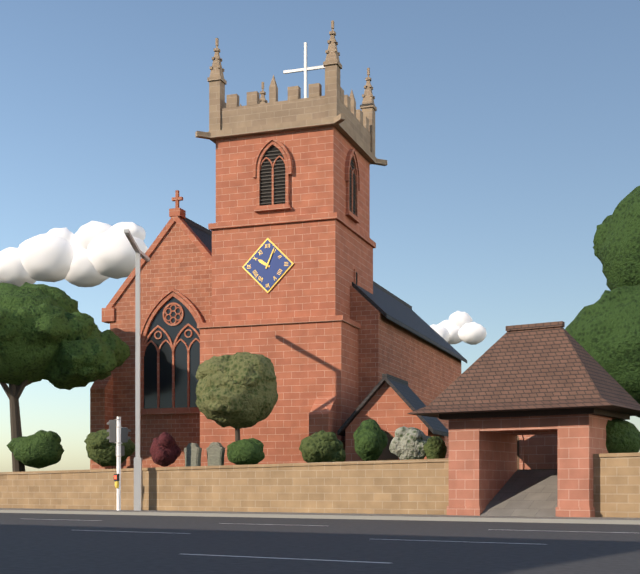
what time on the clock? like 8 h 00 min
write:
10 h 04 min
